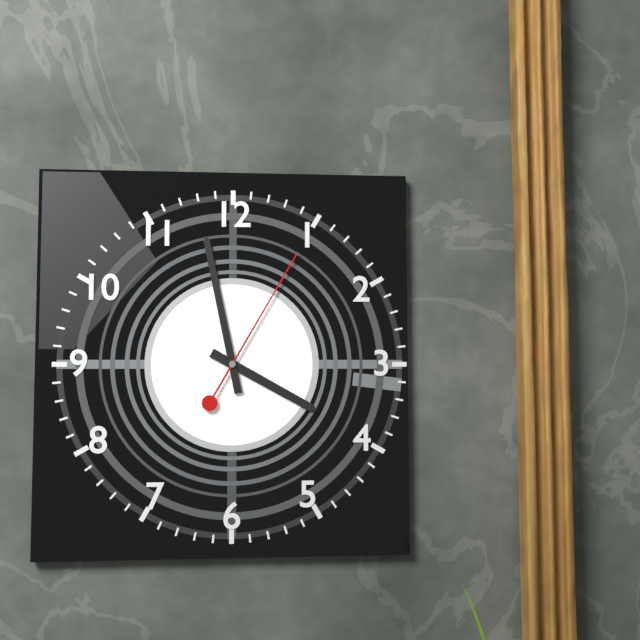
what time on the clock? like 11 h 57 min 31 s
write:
3 h 58 min 05 s
